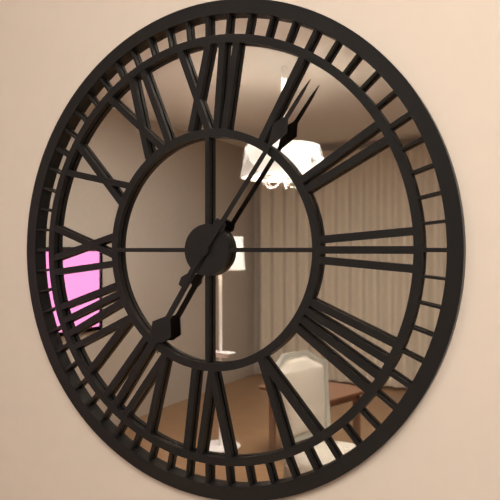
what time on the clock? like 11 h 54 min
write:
7 h 06 min
